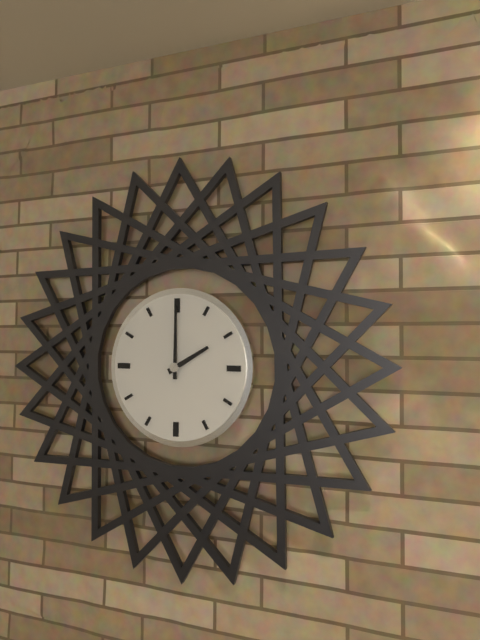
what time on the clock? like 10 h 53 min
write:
2 h 00 min
